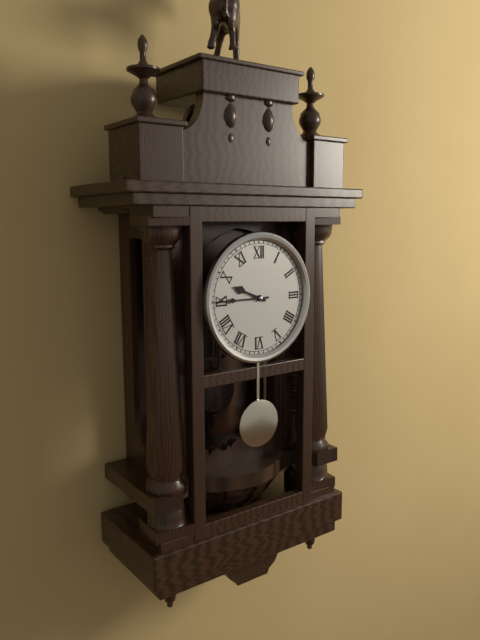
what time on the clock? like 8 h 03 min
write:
9 h 45 min
